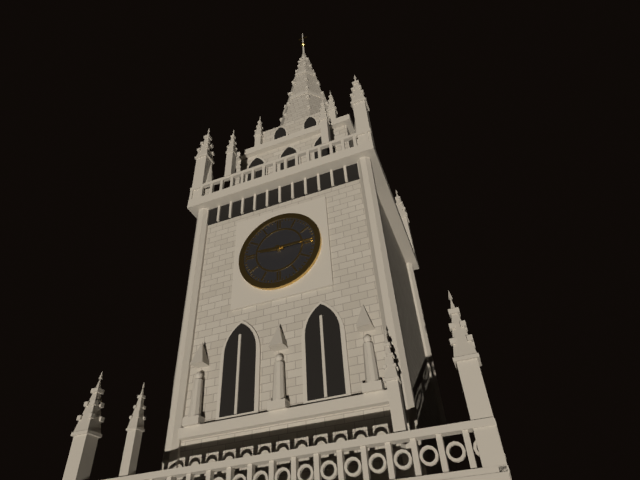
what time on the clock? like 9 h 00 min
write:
9 h 15 min
